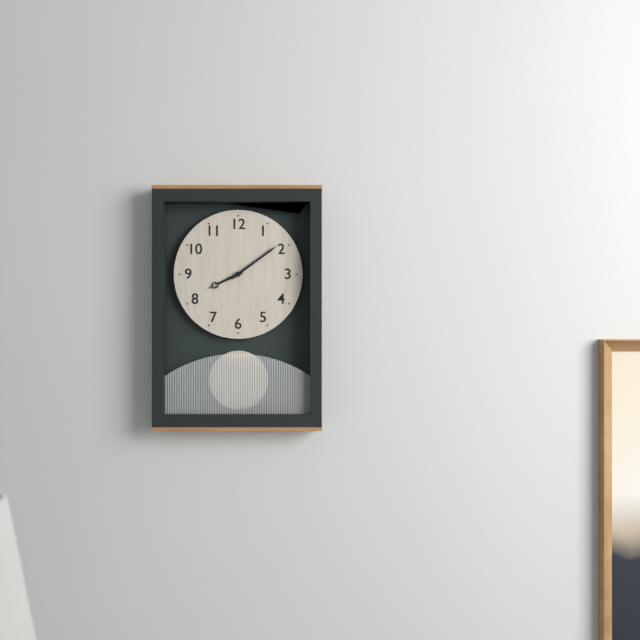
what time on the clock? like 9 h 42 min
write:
8 h 09 min
